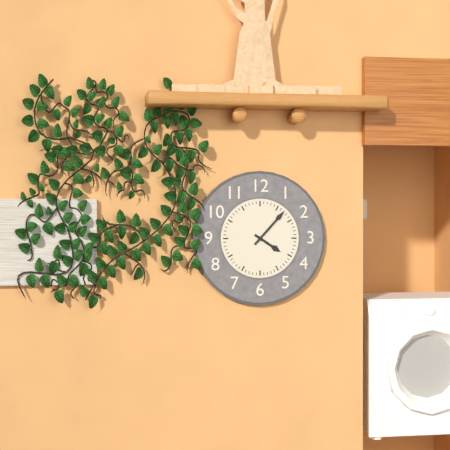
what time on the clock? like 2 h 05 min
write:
4 h 07 min
